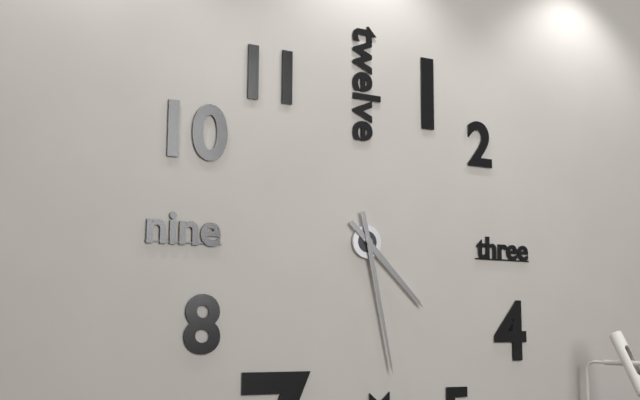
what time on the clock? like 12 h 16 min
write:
4 h 28 min
